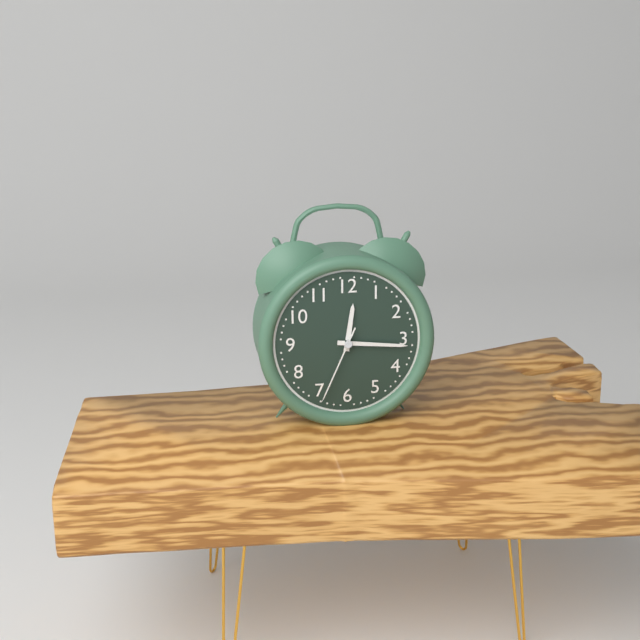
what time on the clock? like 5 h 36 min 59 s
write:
12 h 16 min 34 s
